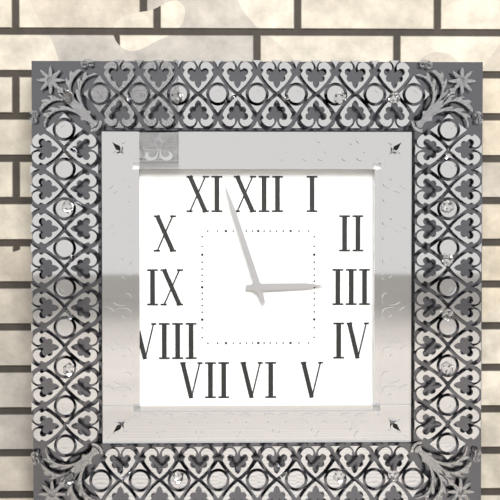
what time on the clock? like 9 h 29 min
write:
2 h 57 min
